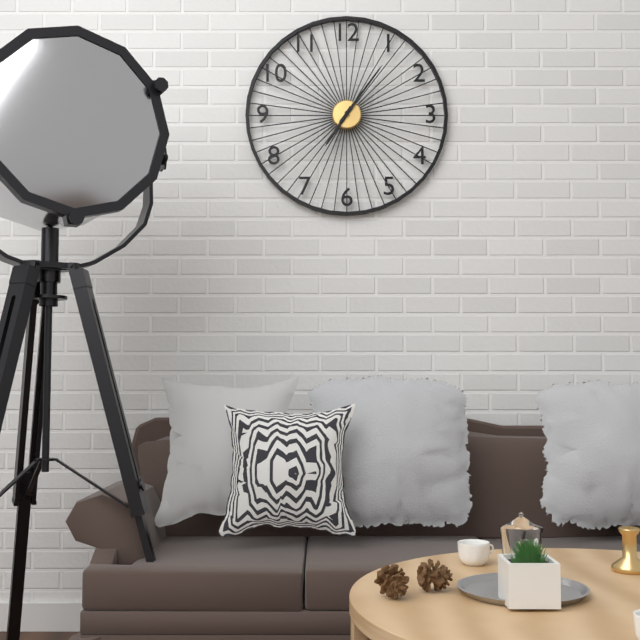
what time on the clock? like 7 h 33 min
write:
7 h 06 min
